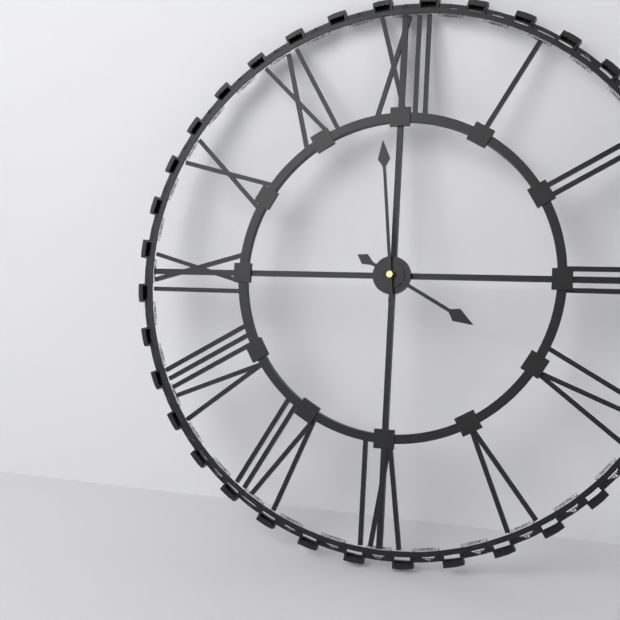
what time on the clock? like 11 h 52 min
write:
3 h 59 min
